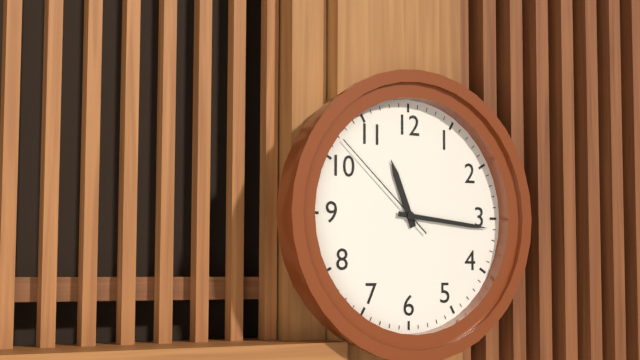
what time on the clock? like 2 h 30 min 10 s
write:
11 h 16 min 52 s
